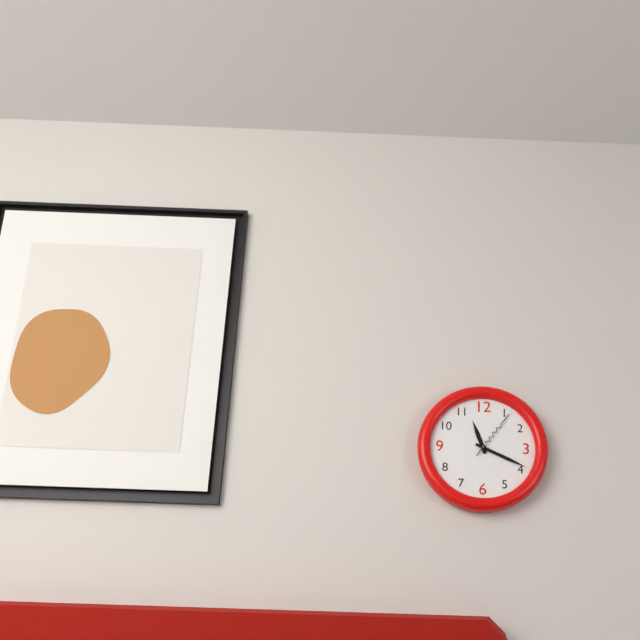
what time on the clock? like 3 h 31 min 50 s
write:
11 h 19 min 06 s
